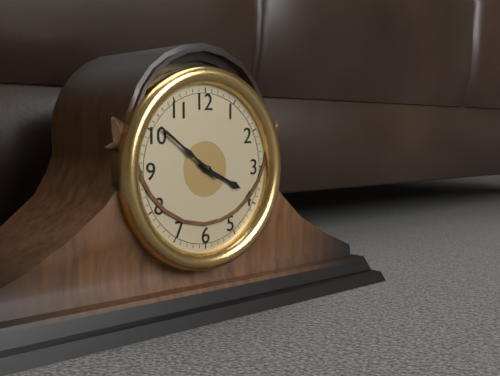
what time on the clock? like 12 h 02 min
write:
3 h 51 min
